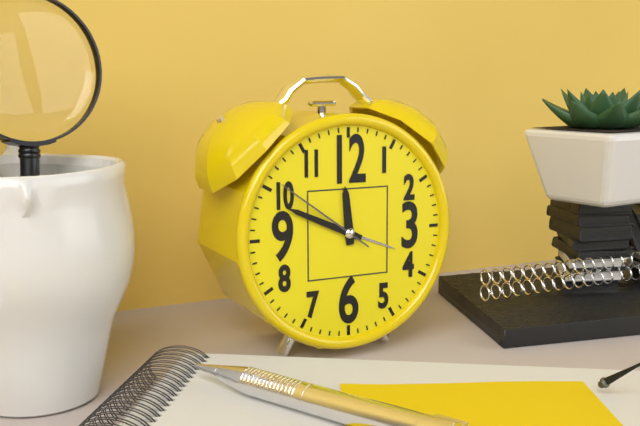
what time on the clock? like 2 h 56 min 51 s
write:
11 h 49 min 51 s
